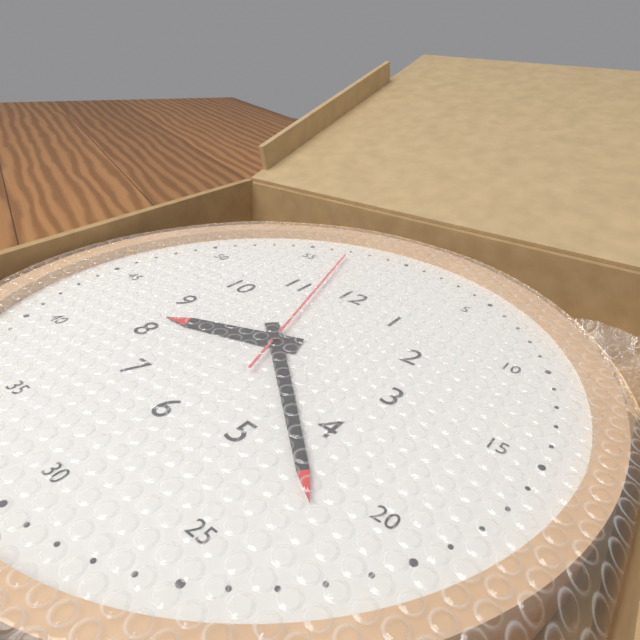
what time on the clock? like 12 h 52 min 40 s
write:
8 h 22 min 57 s
